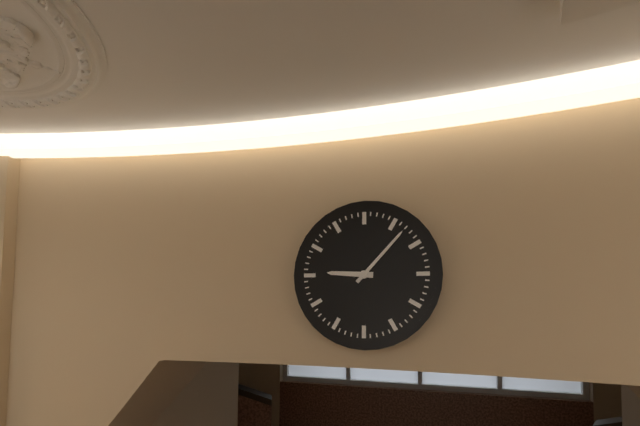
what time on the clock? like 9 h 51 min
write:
9 h 07 min
